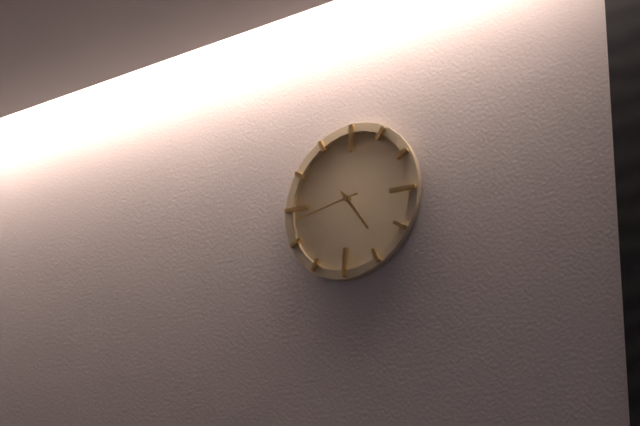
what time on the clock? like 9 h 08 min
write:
4 h 43 min
